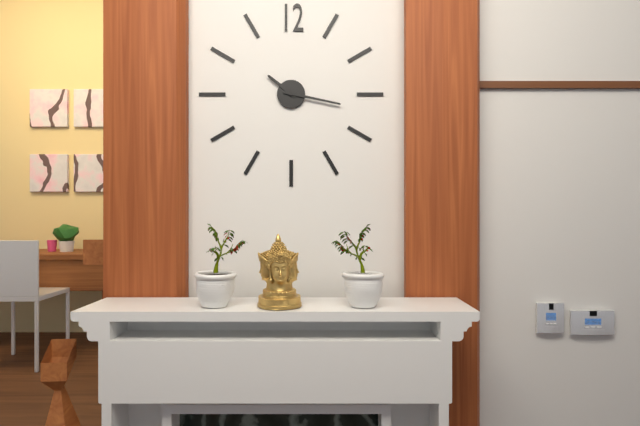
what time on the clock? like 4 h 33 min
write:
10 h 17 min
